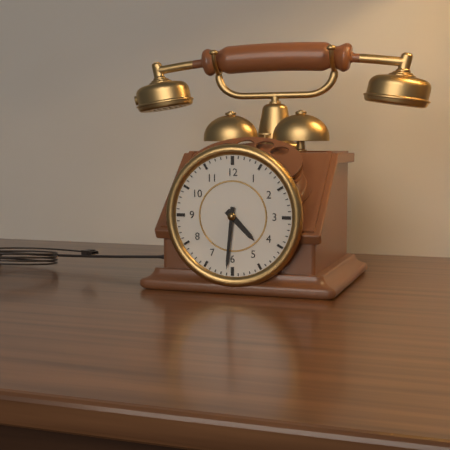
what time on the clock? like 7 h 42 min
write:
4 h 31 min
